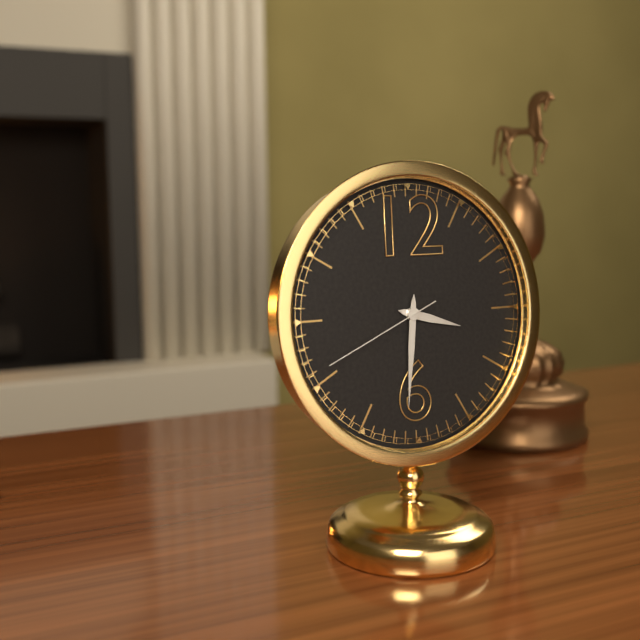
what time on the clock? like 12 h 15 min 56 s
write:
3 h 31 min 41 s
